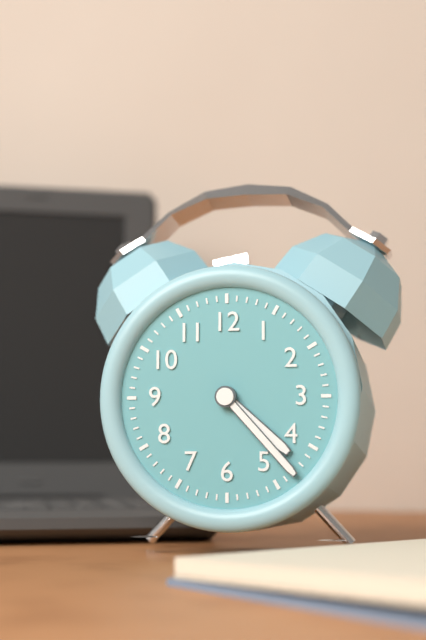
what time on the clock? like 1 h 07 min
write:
4 h 23 min
